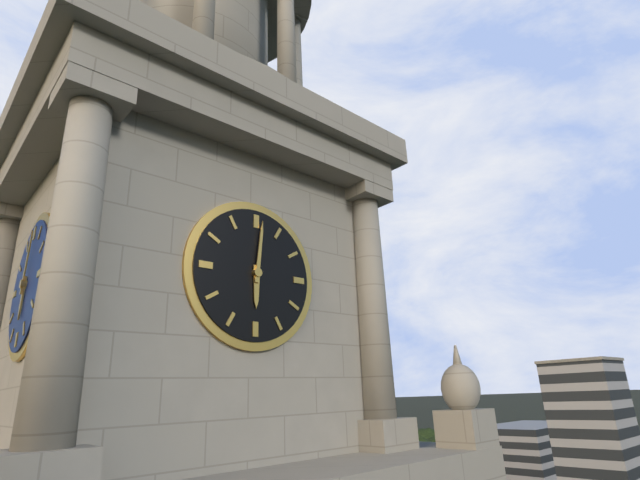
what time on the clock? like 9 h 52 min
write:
6 h 01 min
